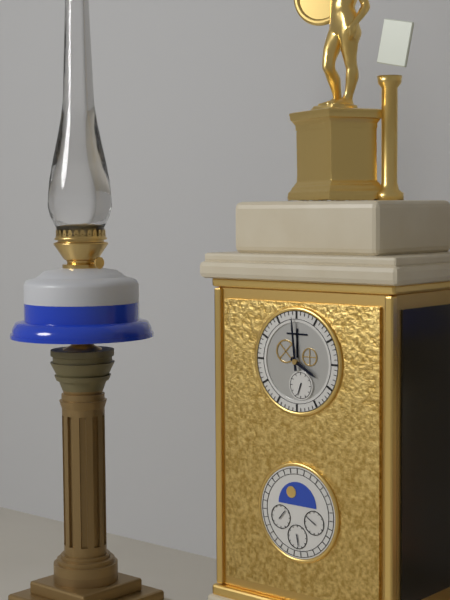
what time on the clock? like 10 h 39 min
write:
3 h 59 min
